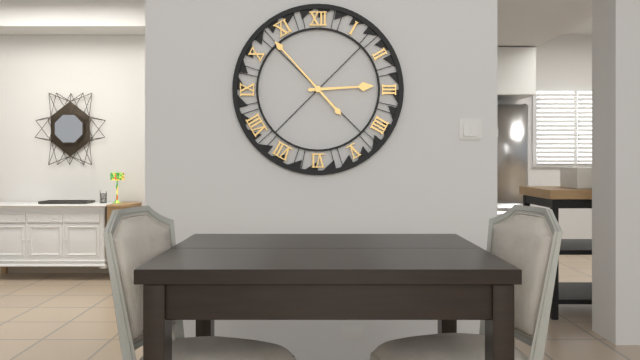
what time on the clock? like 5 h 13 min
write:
2 h 53 min
